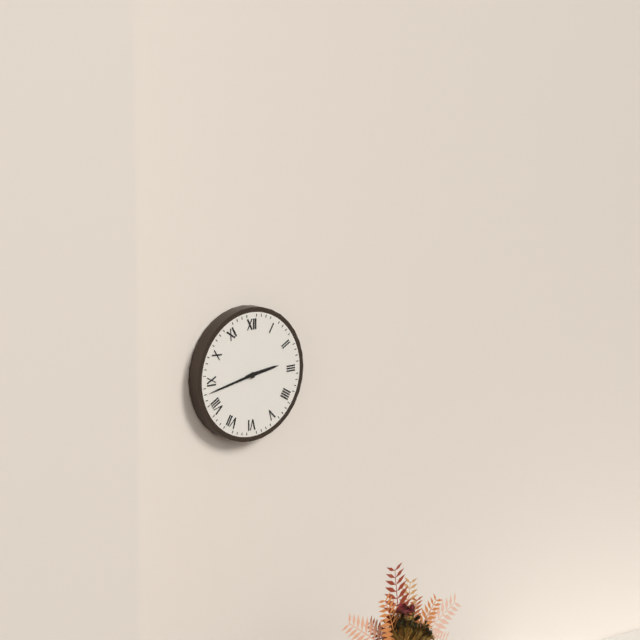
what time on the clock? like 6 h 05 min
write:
2 h 43 min
